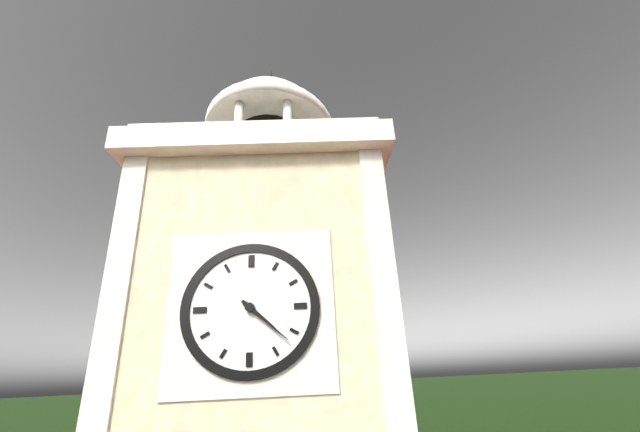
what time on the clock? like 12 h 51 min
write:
4 h 22 min
